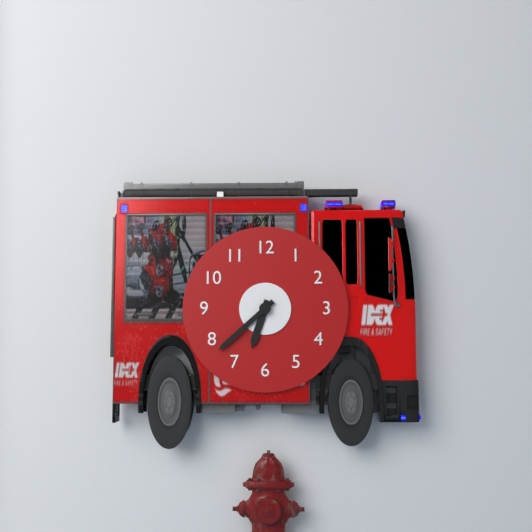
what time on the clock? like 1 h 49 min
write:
6 h 38 min
